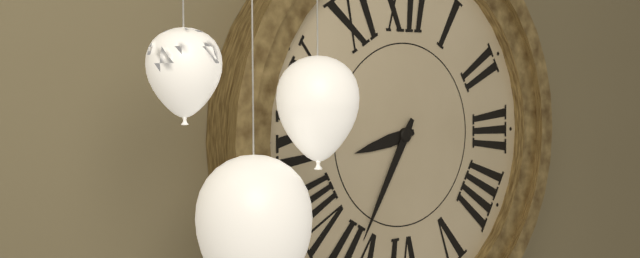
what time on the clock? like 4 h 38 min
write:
8 h 35 min
